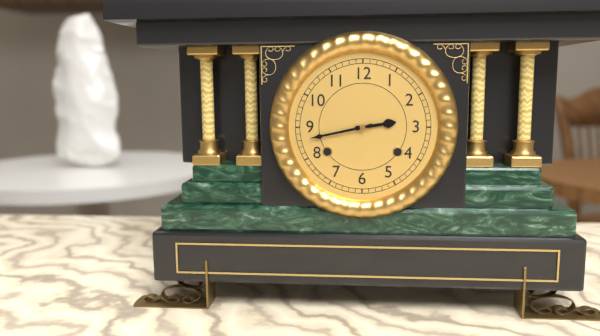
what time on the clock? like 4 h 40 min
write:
2 h 43 min
